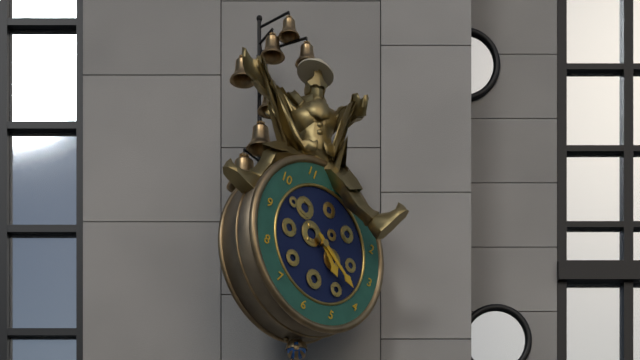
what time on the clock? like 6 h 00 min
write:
4 h 19 min
